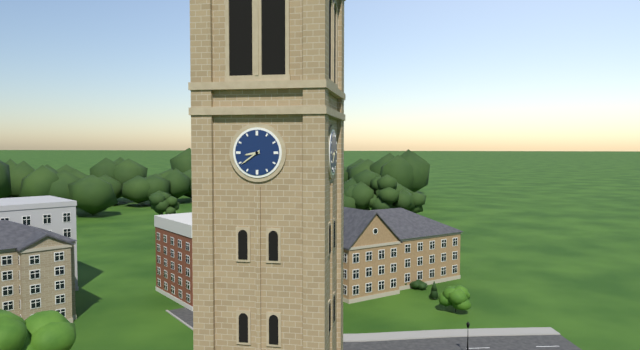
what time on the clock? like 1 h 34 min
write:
8 h 39 min
